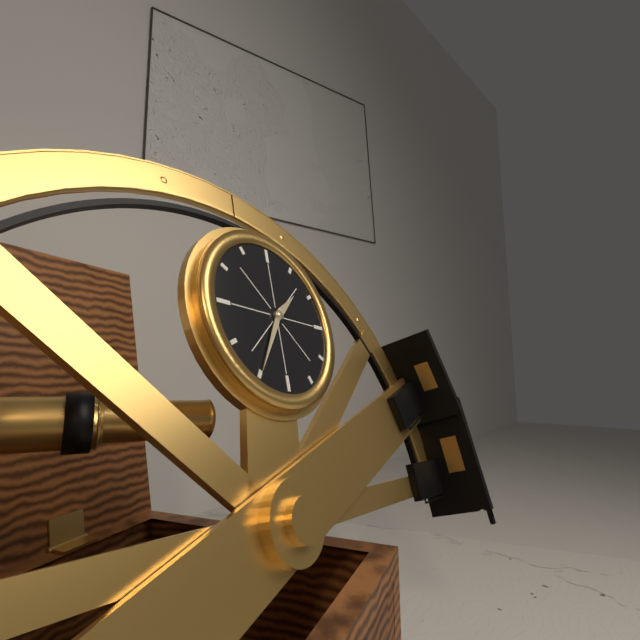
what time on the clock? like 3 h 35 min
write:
1 h 35 min
